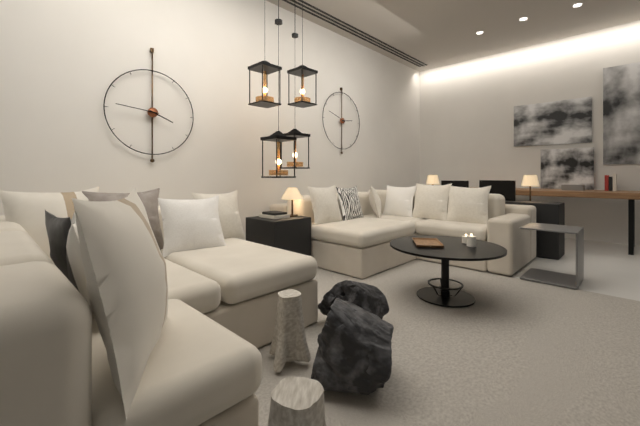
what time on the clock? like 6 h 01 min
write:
3 h 46 min
